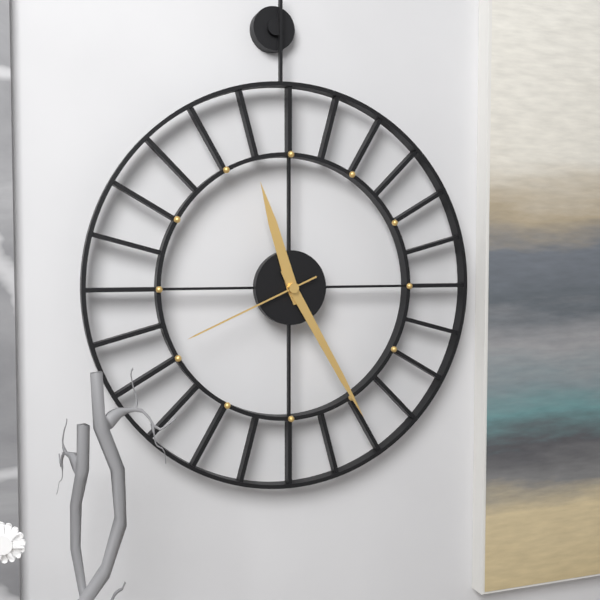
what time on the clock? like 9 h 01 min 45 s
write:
11 h 25 min 41 s
